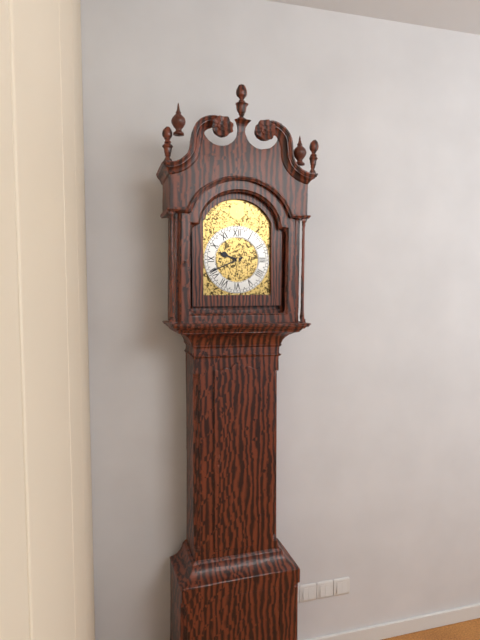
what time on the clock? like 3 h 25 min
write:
9 h 41 min
